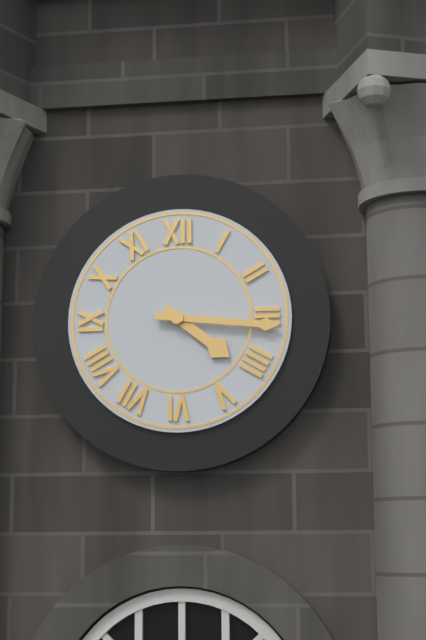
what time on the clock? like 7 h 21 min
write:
4 h 16 min
